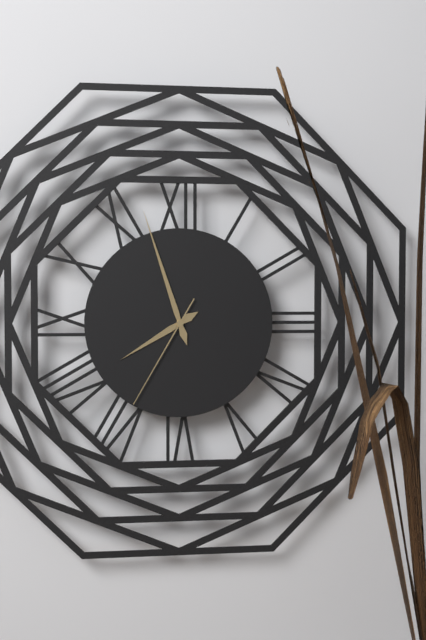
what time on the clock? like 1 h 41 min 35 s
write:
7 h 57 min 35 s
